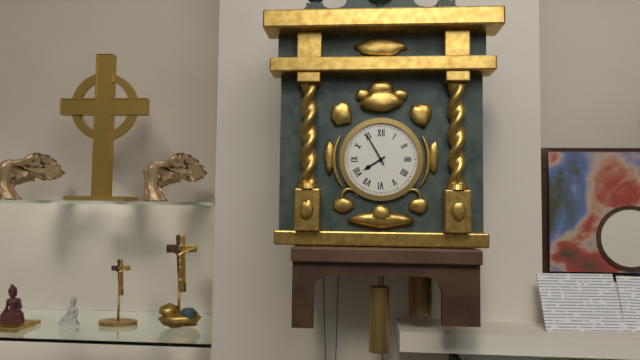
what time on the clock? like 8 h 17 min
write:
7 h 55 min
